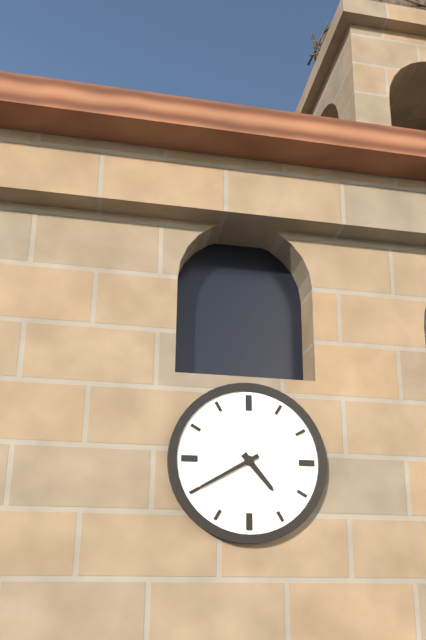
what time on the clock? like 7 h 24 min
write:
4 h 40 min
